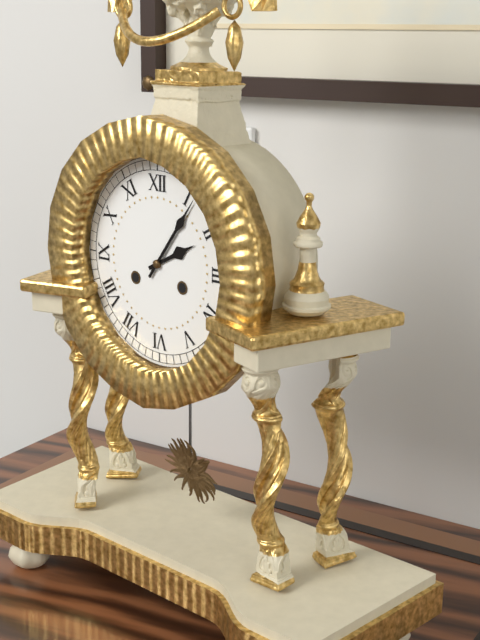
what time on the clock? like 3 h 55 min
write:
2 h 06 min
